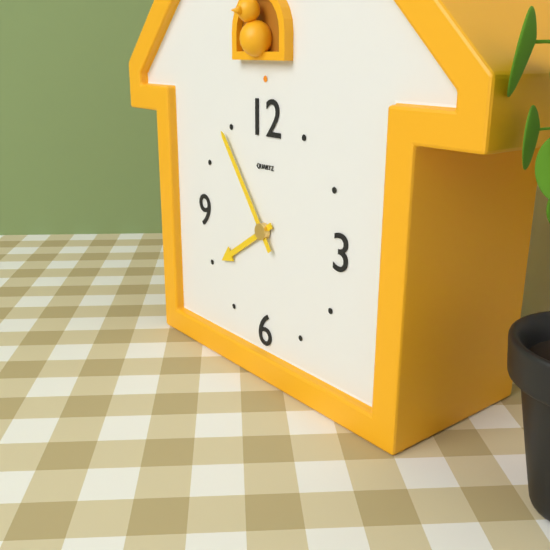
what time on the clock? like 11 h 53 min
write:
7 h 54 min
